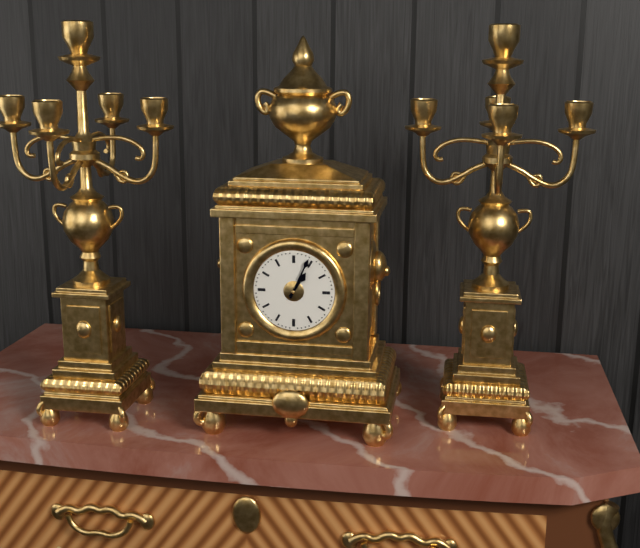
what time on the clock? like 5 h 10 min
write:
1 h 04 min
